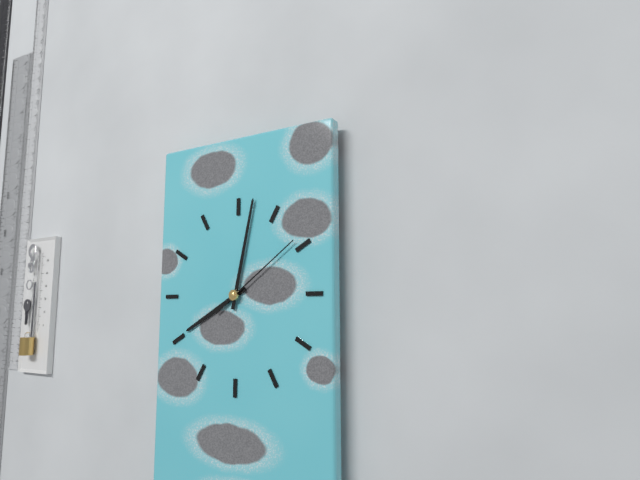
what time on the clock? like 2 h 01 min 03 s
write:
8 h 02 min 09 s
